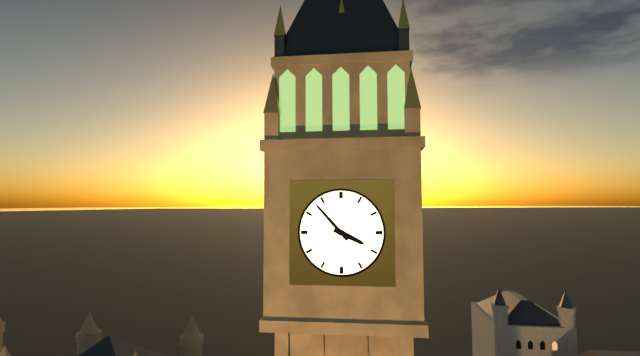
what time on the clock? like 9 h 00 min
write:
3 h 53 min
